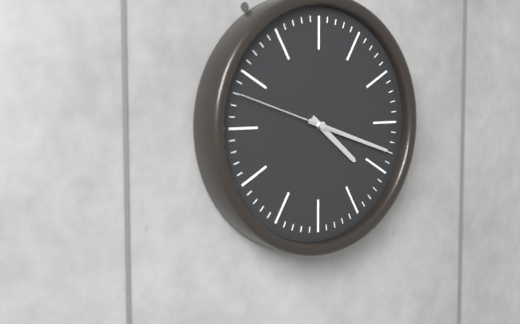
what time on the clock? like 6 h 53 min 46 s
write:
4 h 18 min 48 s
